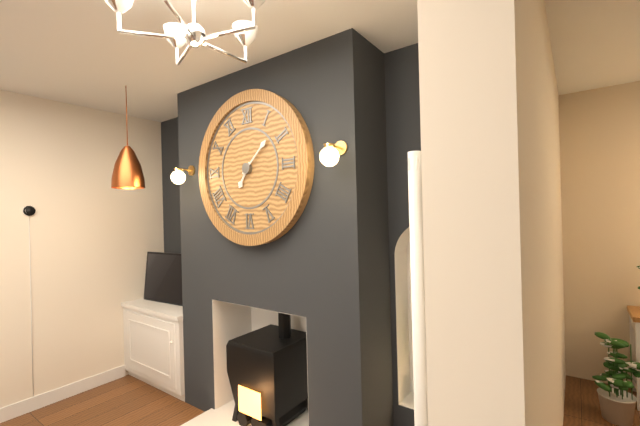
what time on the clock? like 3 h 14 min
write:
7 h 08 min
